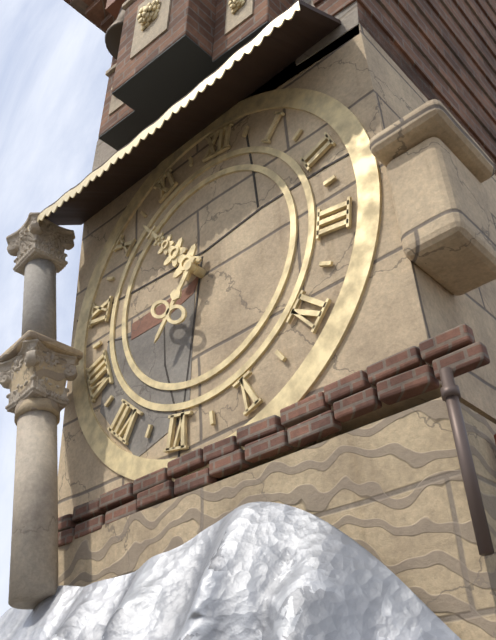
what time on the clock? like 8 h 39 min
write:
6 h 52 min
